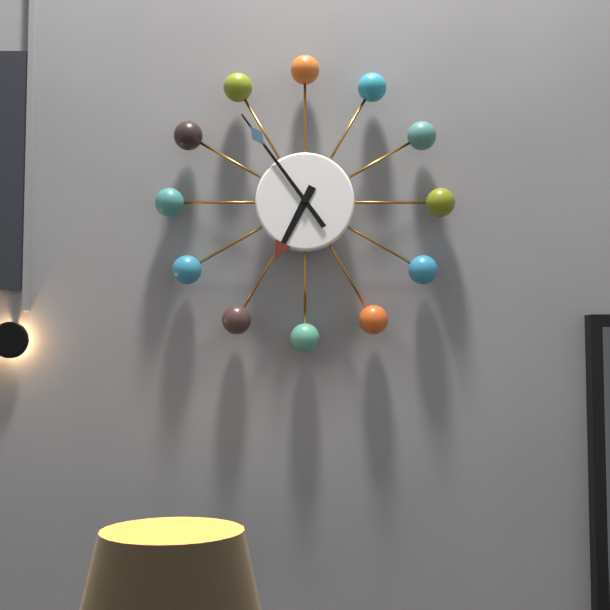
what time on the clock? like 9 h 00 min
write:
6 h 54 min
